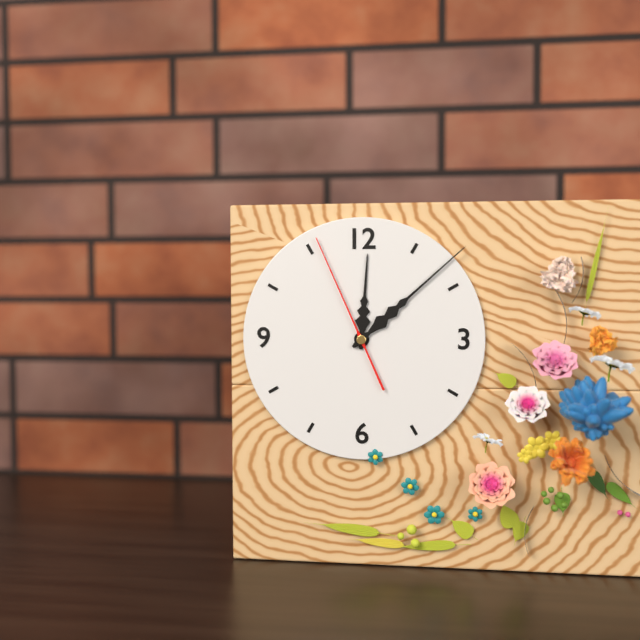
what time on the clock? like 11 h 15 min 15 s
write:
12 h 08 min 56 s
